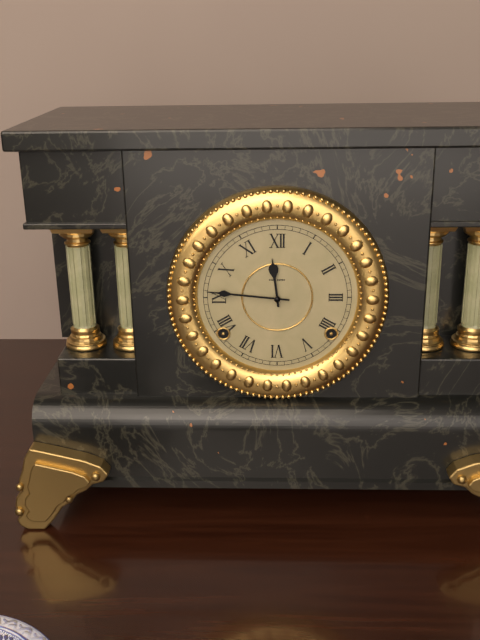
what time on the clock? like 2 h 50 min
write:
11 h 46 min
